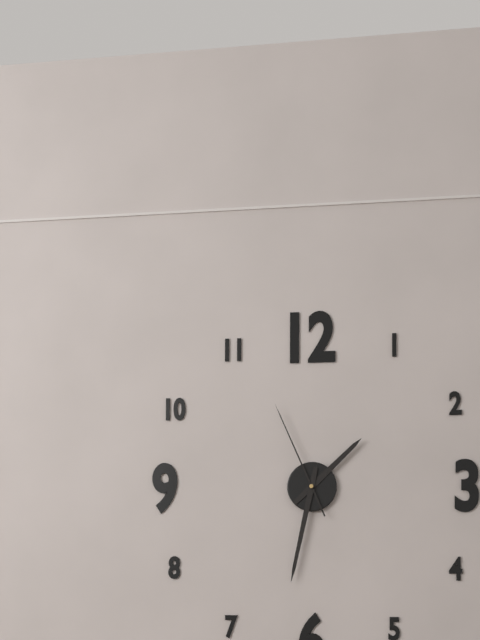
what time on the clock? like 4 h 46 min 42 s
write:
1 h 32 min 56 s
